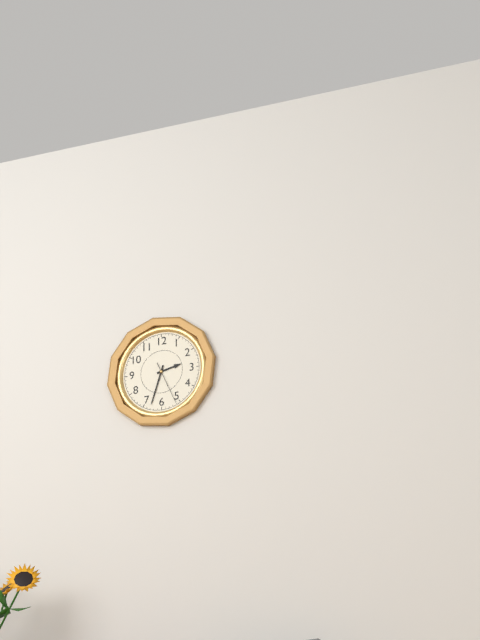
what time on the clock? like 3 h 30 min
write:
2 h 33 min
